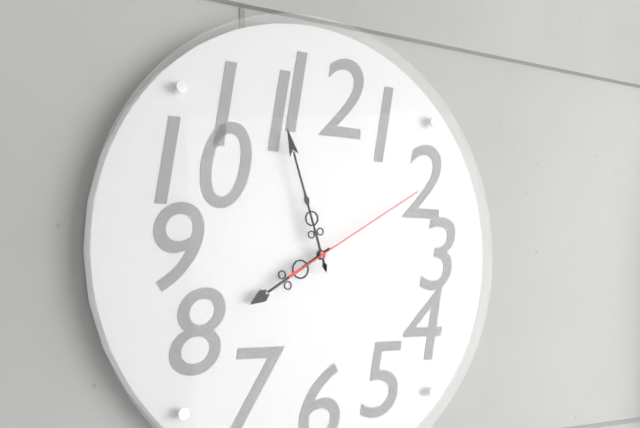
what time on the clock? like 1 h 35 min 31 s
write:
7 h 57 min 10 s
